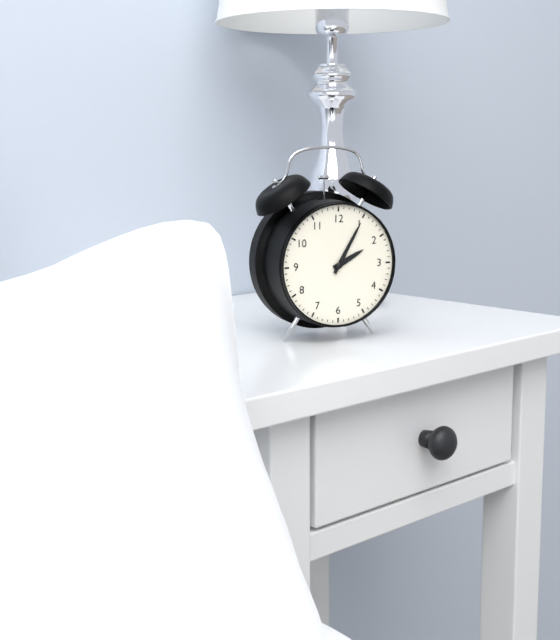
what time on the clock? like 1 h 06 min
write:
2 h 05 min
